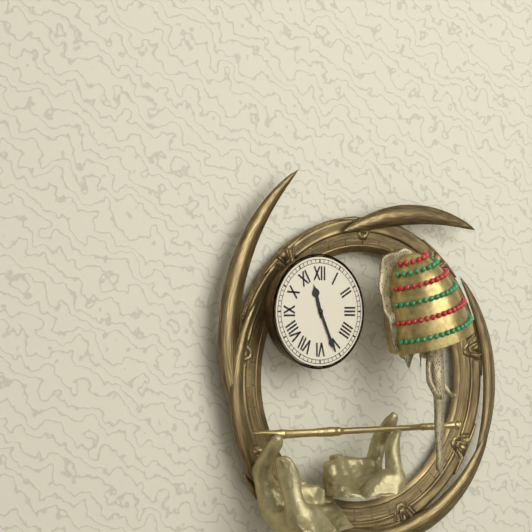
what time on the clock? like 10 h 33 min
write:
11 h 26 min
